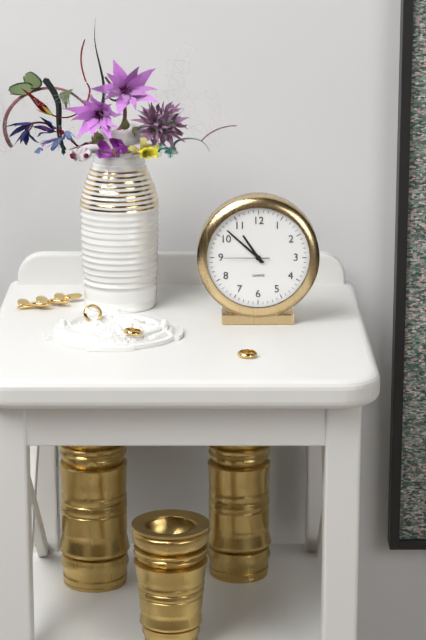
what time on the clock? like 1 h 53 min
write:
10 h 52 min
